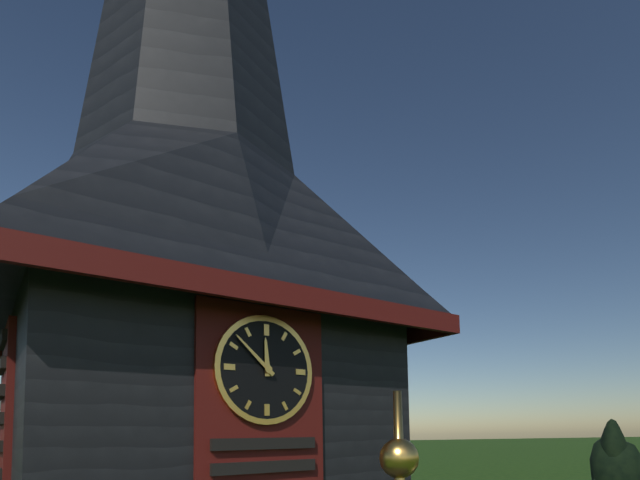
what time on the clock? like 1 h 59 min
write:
11 h 52 min
